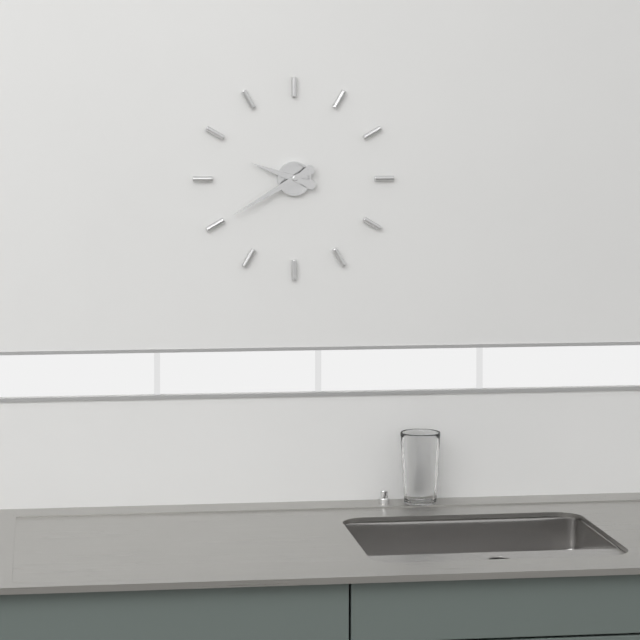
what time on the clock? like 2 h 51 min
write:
9 h 40 min
